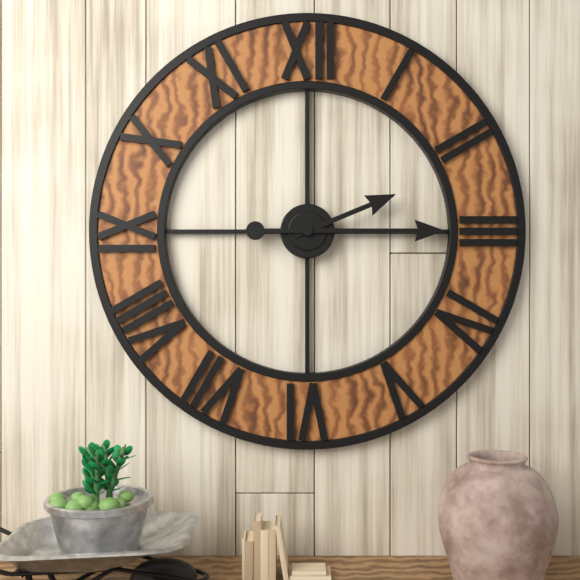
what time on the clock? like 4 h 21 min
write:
2 h 15 min
